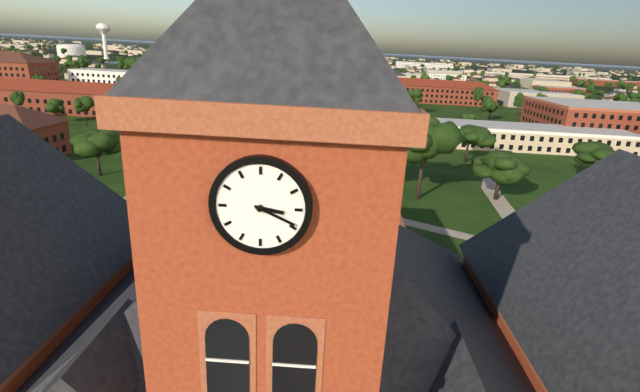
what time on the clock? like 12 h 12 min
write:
3 h 19 min
